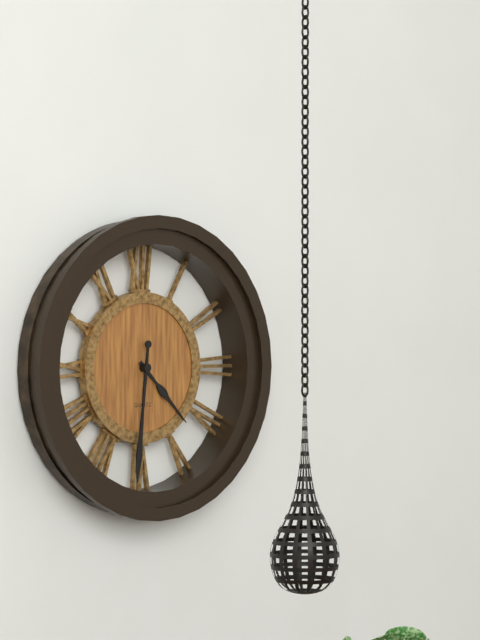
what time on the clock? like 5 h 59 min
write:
4 h 31 min
